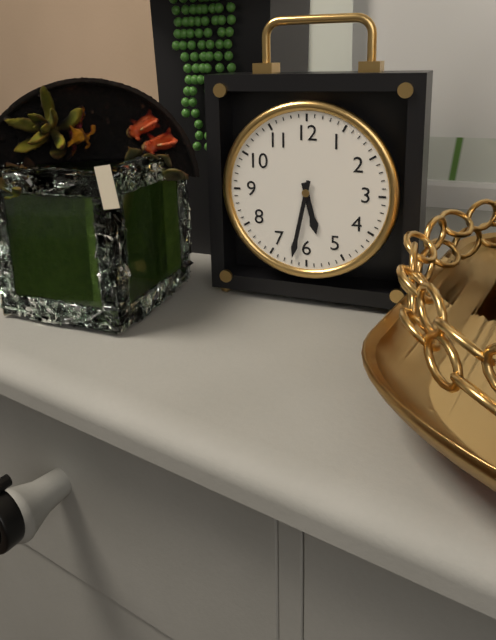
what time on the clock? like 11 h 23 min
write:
5 h 32 min
